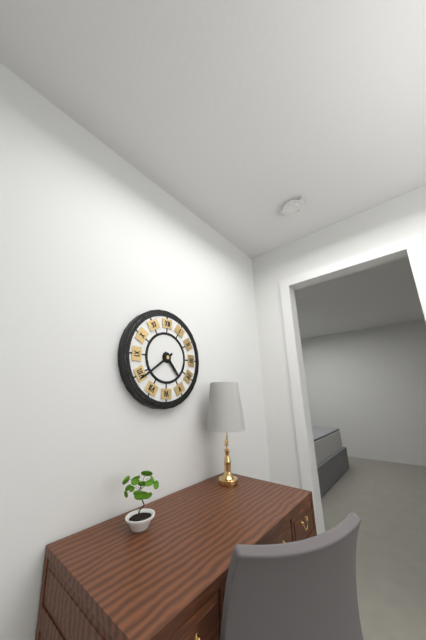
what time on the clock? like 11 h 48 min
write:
4 h 39 min
